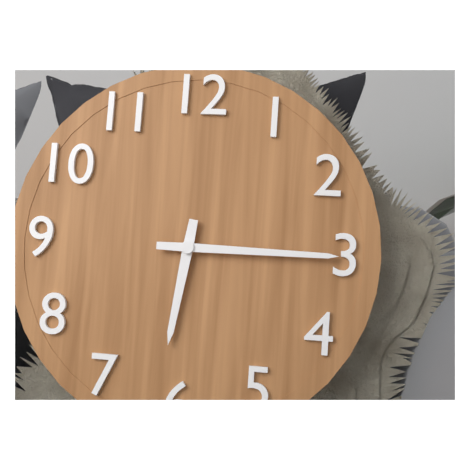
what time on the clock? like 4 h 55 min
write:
6 h 15 min
